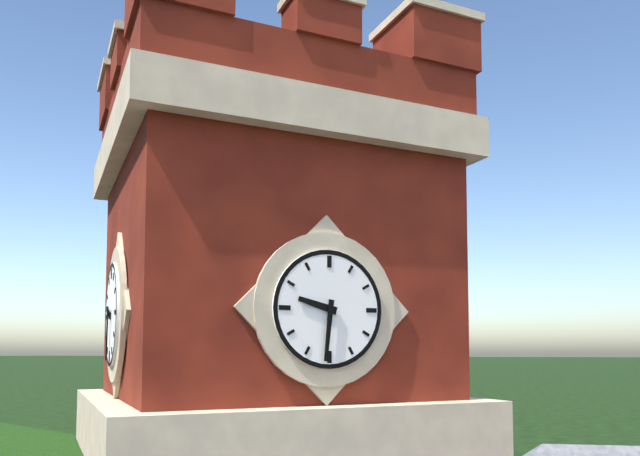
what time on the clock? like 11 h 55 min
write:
9 h 31 min
